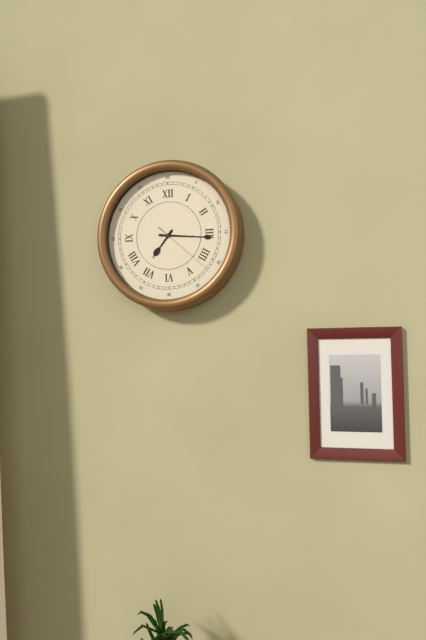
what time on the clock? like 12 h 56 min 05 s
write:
7 h 16 min 22 s
